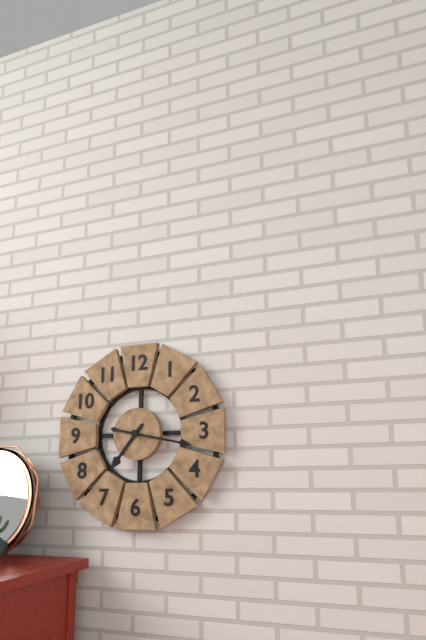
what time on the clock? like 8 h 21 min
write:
7 h 17 min
